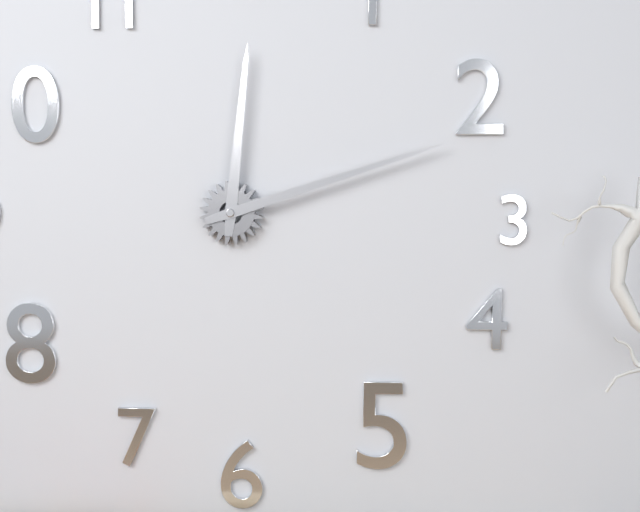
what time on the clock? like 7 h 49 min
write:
12 h 12 min
